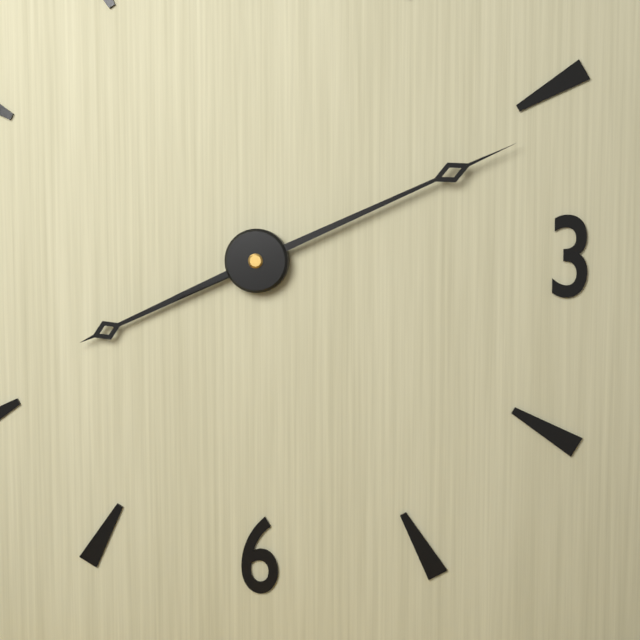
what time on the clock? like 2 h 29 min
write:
8 h 11 min
